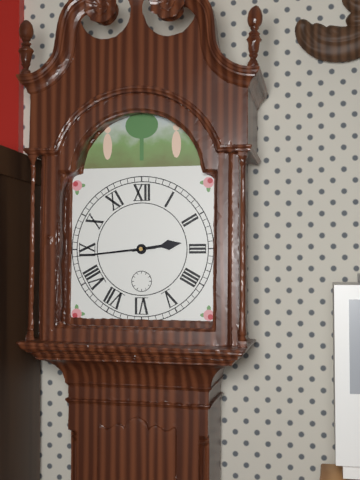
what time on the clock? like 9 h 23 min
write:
2 h 44 min
